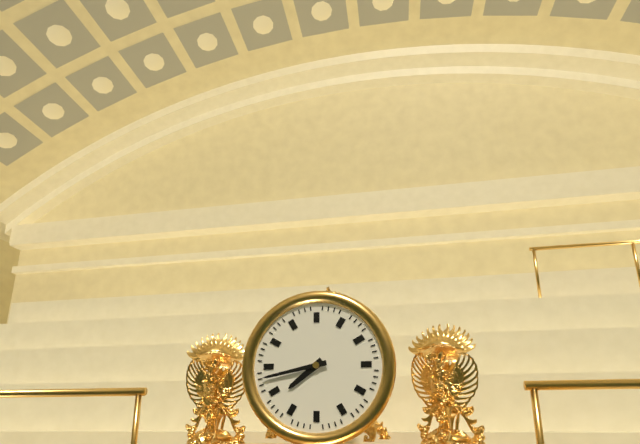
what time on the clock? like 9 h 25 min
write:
7 h 43 min
